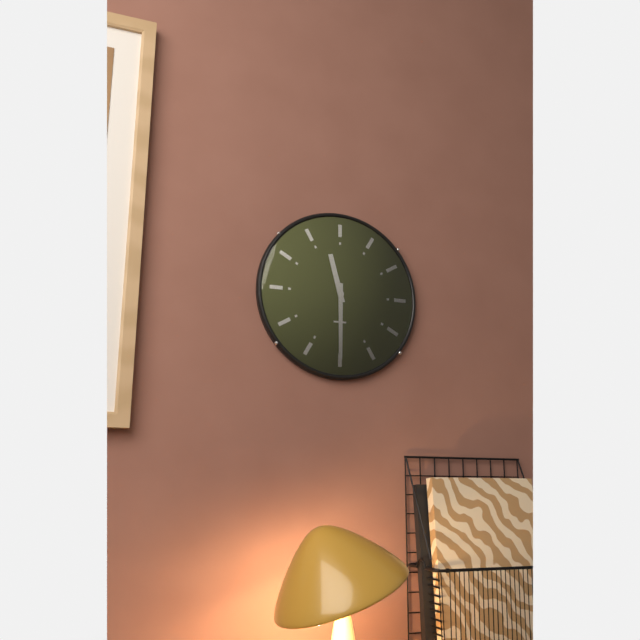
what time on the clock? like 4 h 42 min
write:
11 h 30 min
